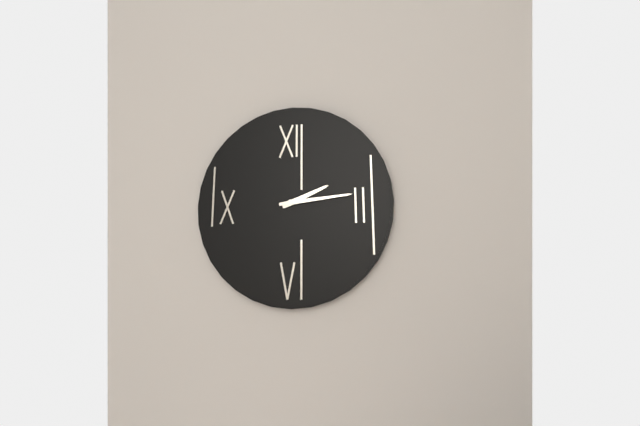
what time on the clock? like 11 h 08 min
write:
2 h 14 min
